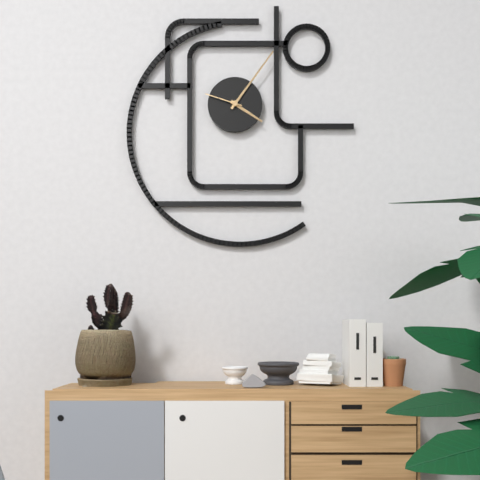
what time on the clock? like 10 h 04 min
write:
4 h 06 min
